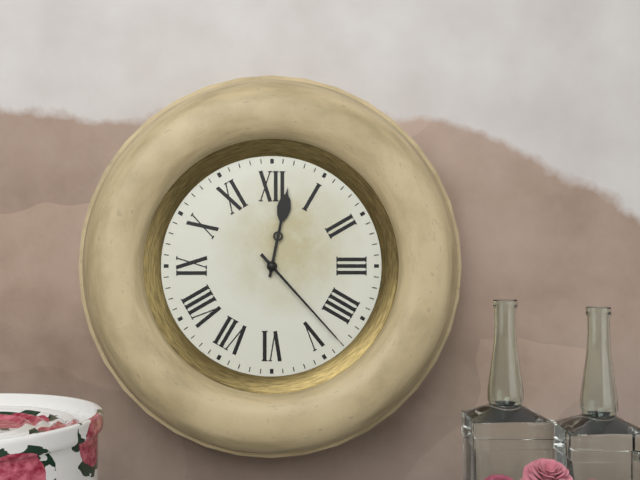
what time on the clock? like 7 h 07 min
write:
12 h 23 min
